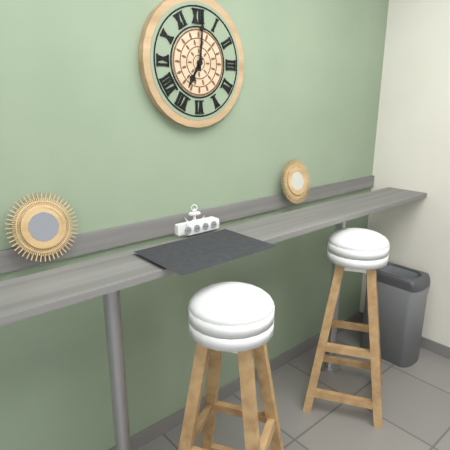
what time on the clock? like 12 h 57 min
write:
7 h 01 min
